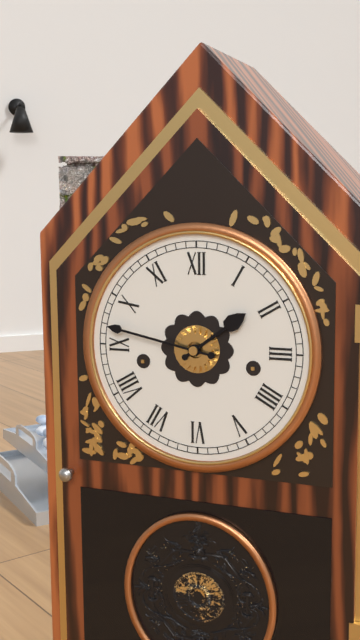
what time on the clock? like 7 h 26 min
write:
1 h 47 min
